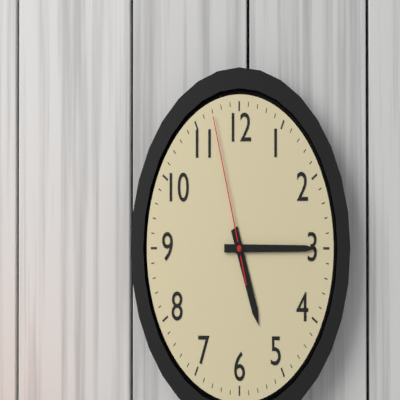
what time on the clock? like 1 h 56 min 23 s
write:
5 h 15 min 57 s
